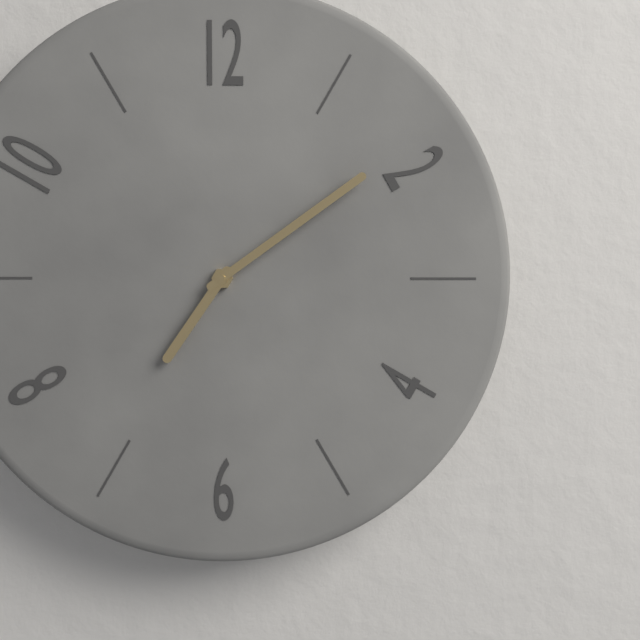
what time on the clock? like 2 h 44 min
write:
7 h 09 min
